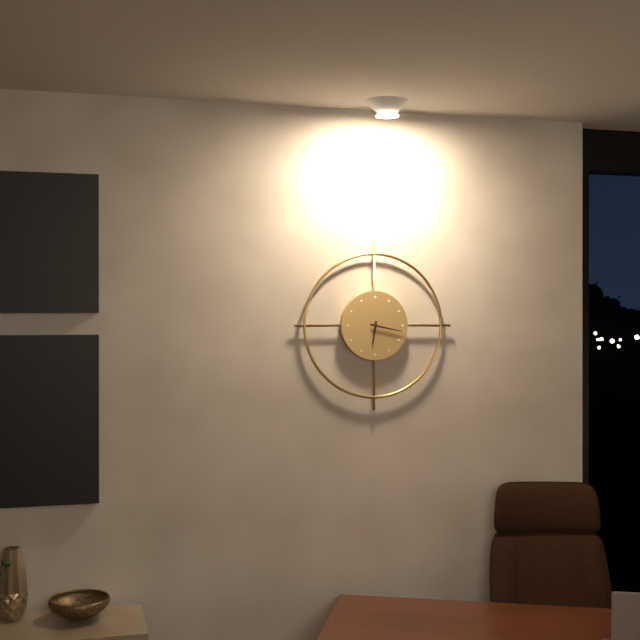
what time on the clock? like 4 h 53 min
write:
6 h 17 min
